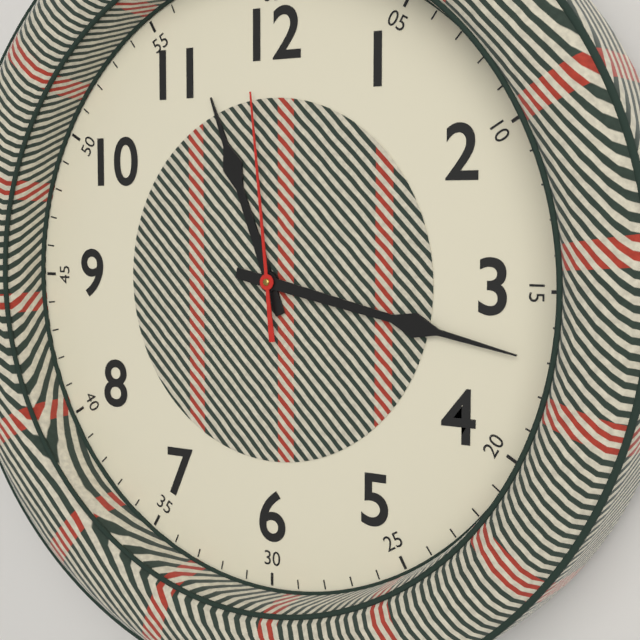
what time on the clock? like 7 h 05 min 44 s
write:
11 h 17 min 59 s
